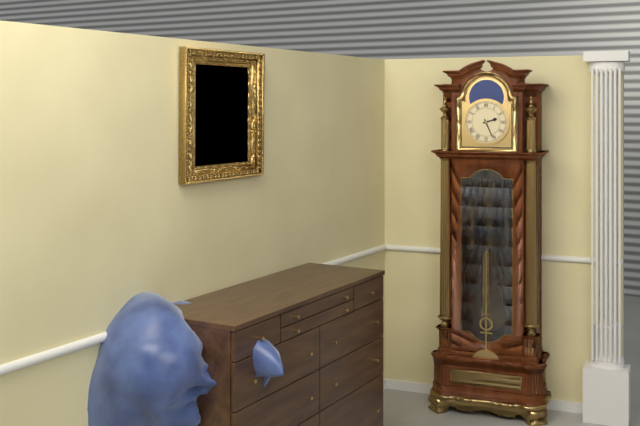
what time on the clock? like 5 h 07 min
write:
2 h 26 min
